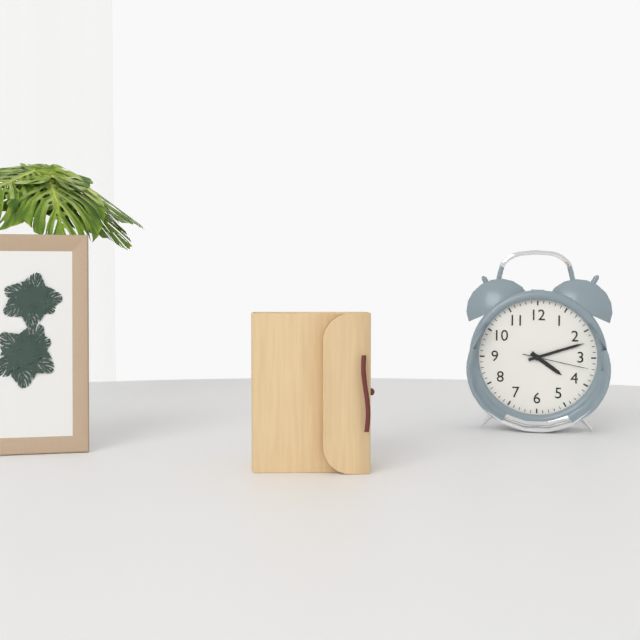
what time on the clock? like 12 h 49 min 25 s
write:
4 h 12 min 17 s
